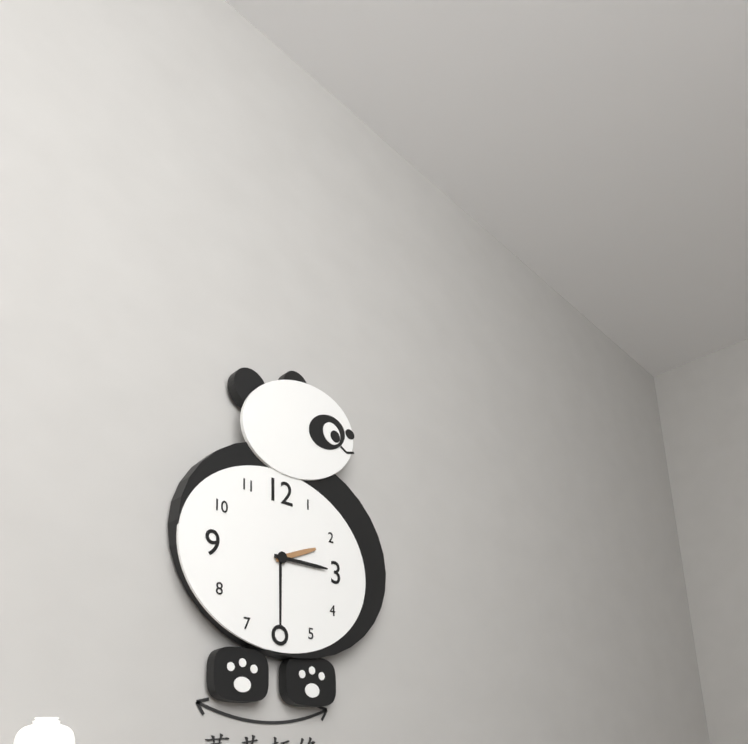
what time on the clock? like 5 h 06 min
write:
2 h 15 min
